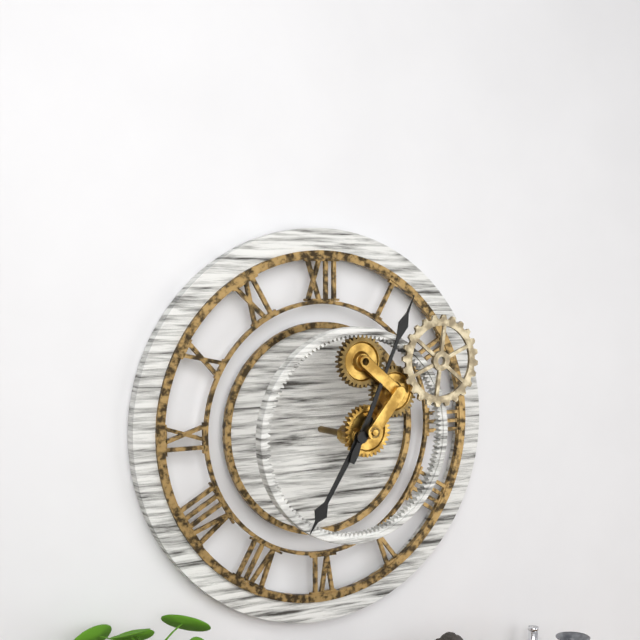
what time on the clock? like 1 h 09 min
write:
7 h 04 min
